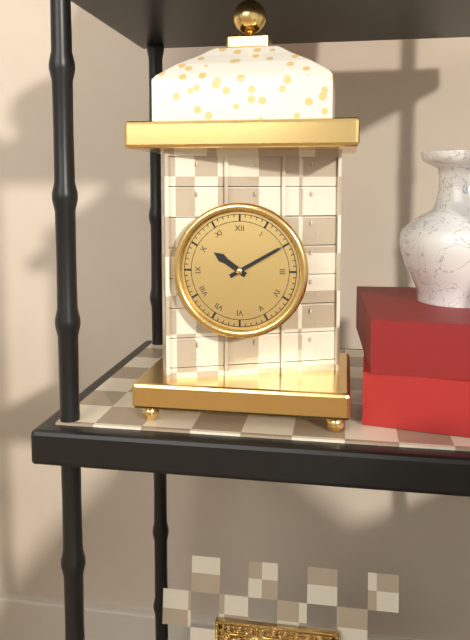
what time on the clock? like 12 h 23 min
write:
10 h 10 min
